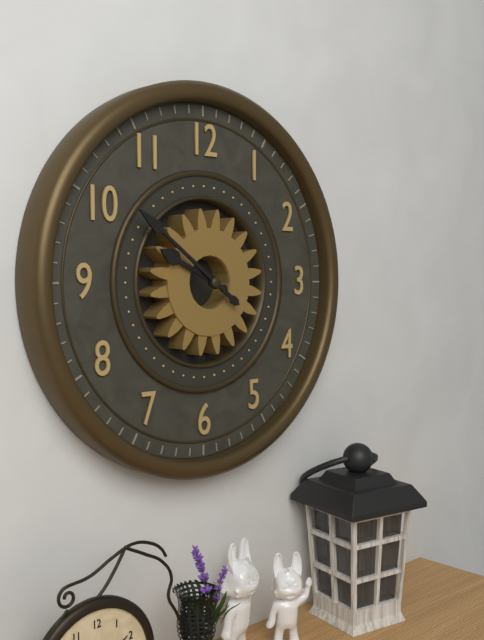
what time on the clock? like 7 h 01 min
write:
9 h 51 min
